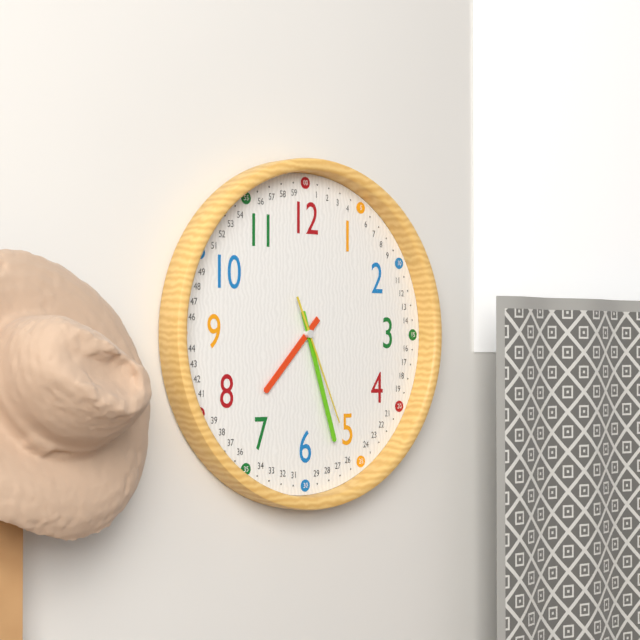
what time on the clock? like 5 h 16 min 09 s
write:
7 h 27 min 26 s
